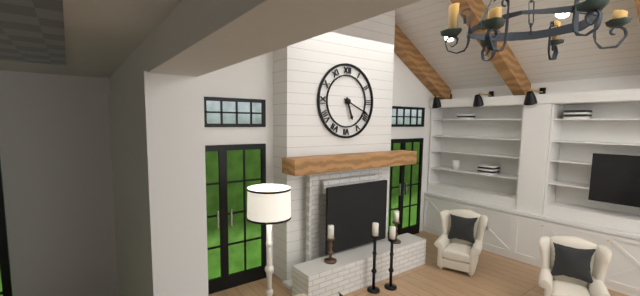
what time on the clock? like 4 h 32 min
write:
5 h 19 min
